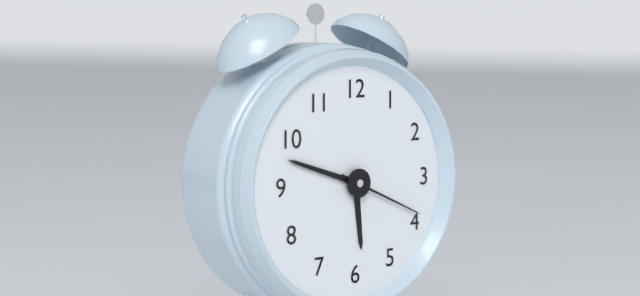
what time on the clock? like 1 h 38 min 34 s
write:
5 h 48 min 19 s
